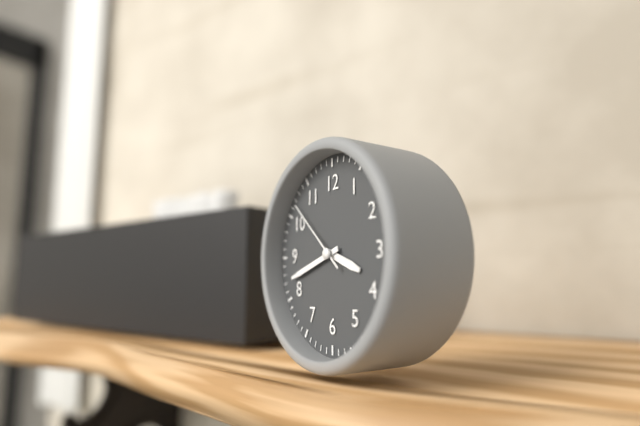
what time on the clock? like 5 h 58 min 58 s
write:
3 h 42 min 52 s
